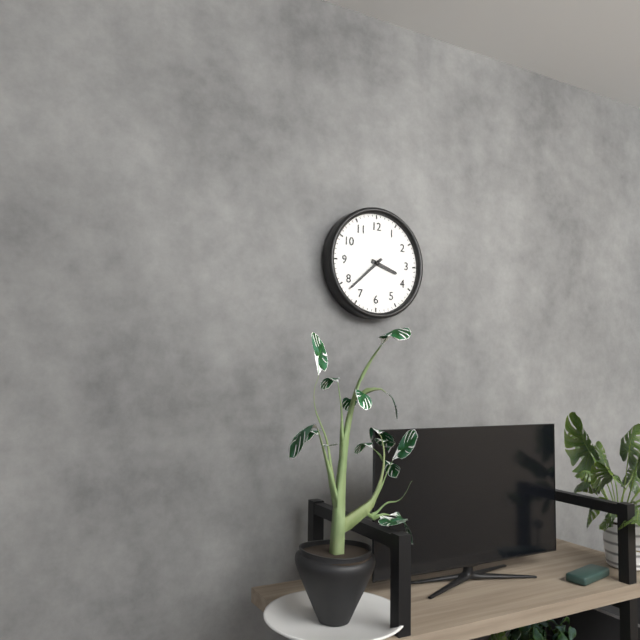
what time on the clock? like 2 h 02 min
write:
3 h 38 min
